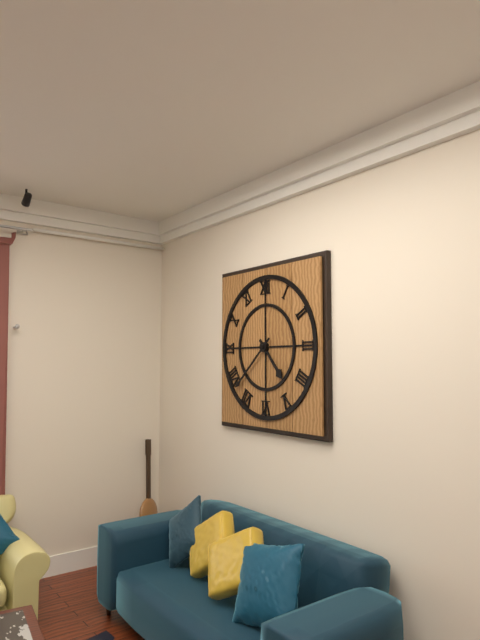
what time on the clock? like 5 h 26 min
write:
4 h 38 min
